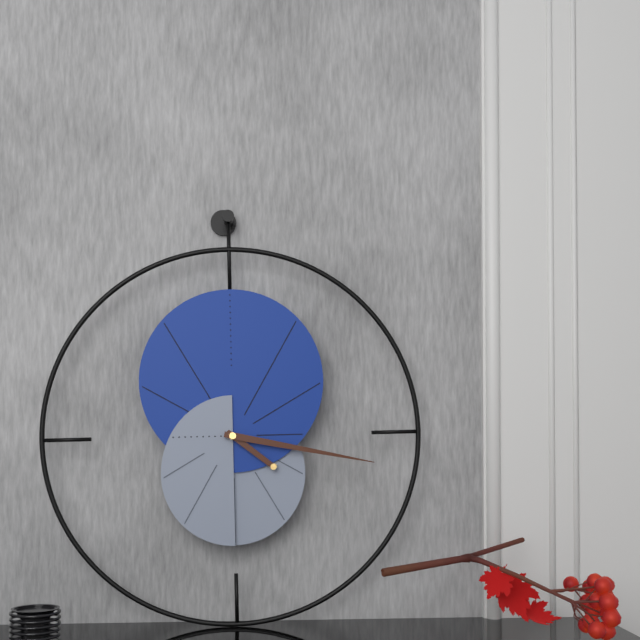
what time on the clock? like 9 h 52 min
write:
4 h 17 min
